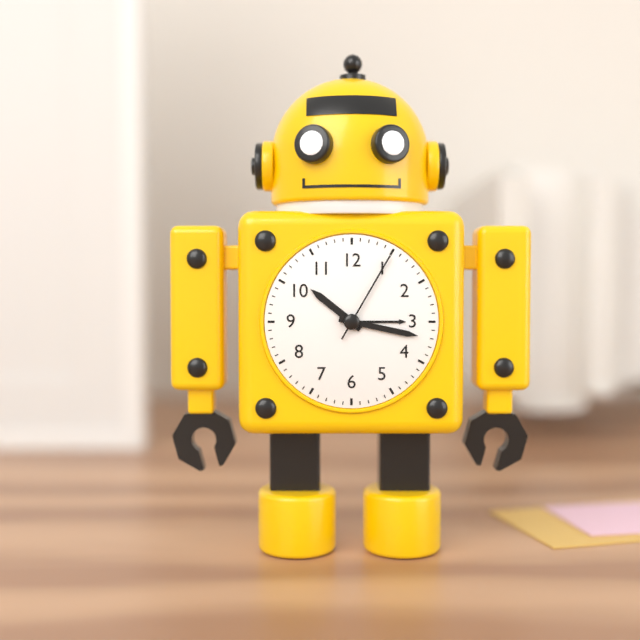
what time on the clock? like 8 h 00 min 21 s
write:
10 h 17 min 05 s
